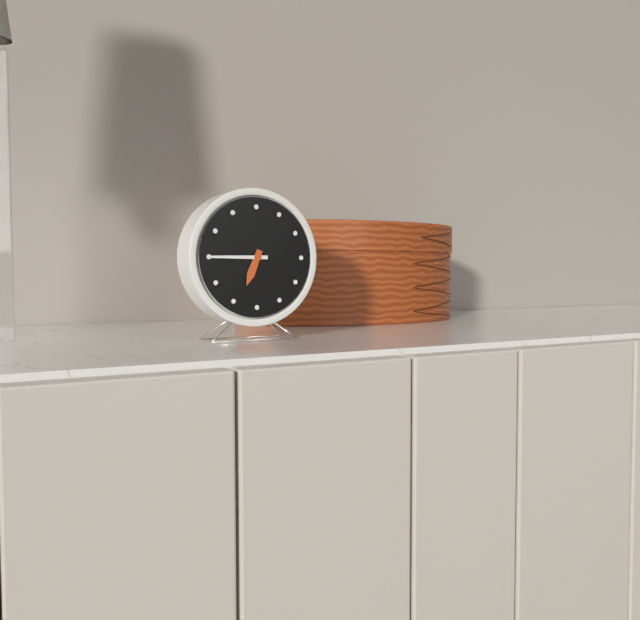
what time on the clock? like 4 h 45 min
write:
6 h 45 min
